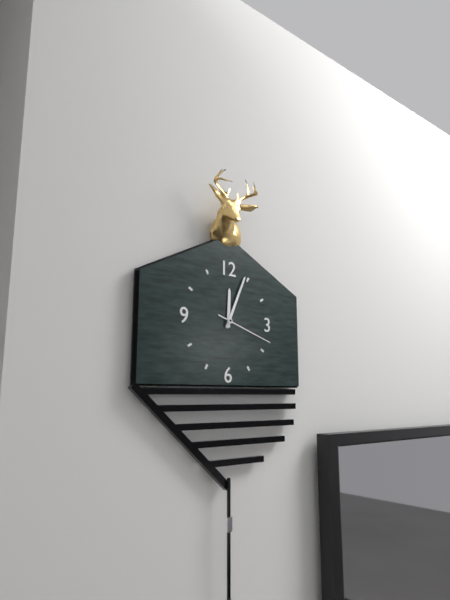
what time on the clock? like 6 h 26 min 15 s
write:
12 h 04 min 18 s
